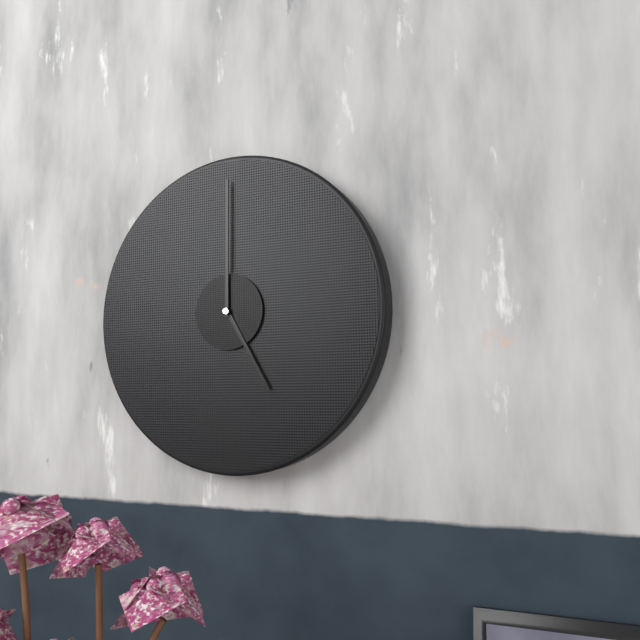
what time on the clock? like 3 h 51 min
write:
5 h 00 min
